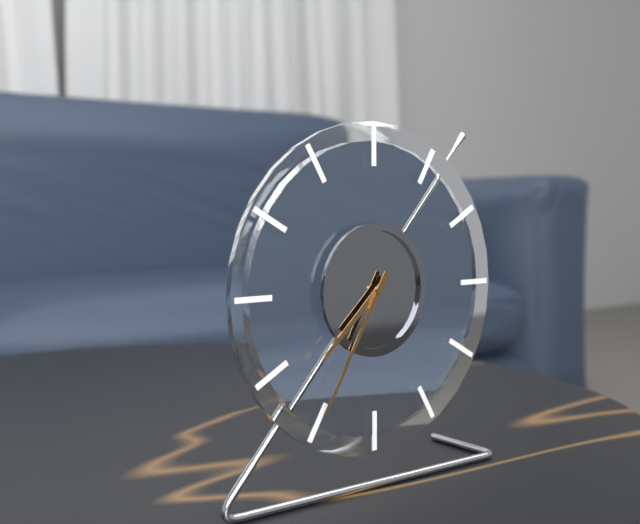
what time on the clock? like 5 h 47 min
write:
7 h 35 min
